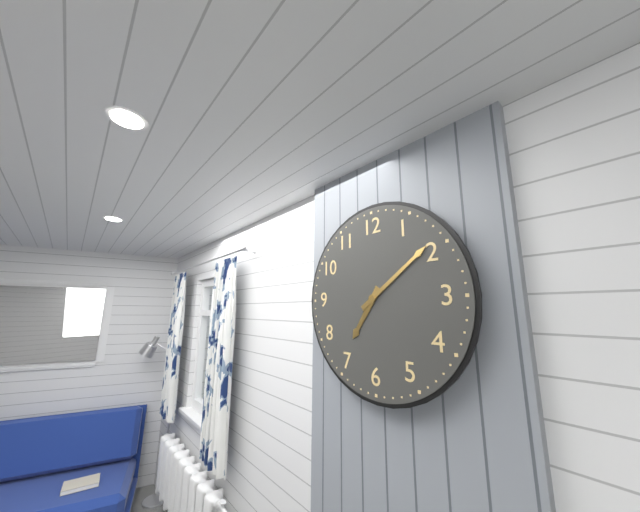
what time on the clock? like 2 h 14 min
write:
7 h 09 min
